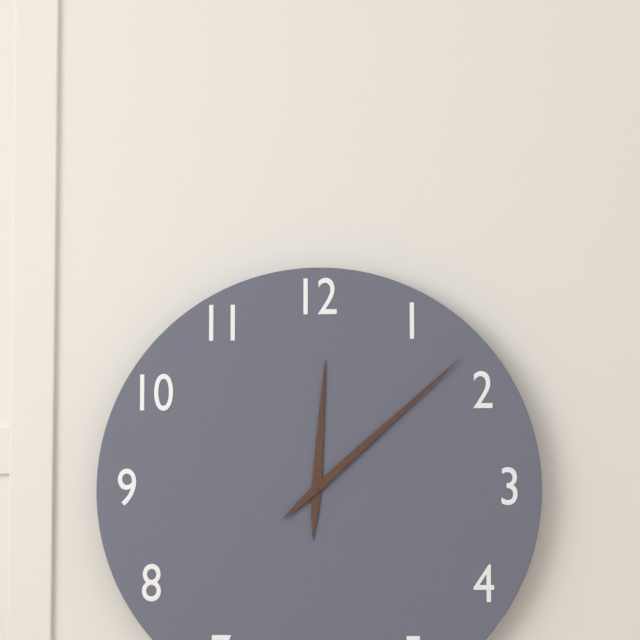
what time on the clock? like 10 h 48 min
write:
12 h 08 min
